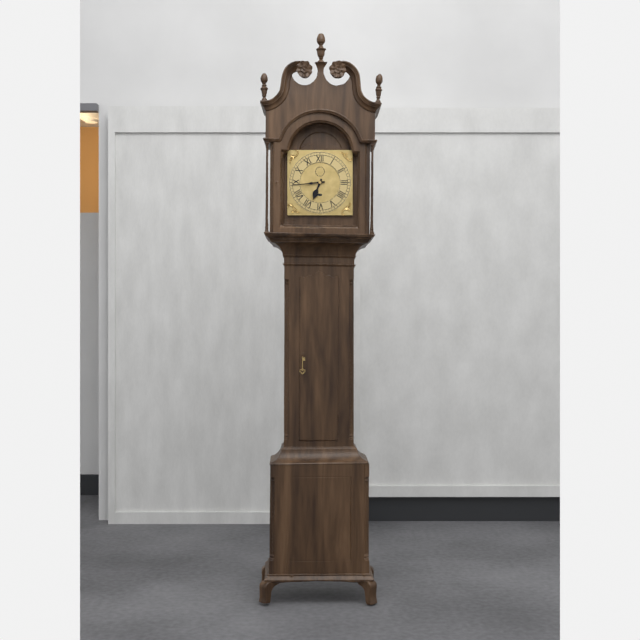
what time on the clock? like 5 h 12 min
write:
6 h 44 min
